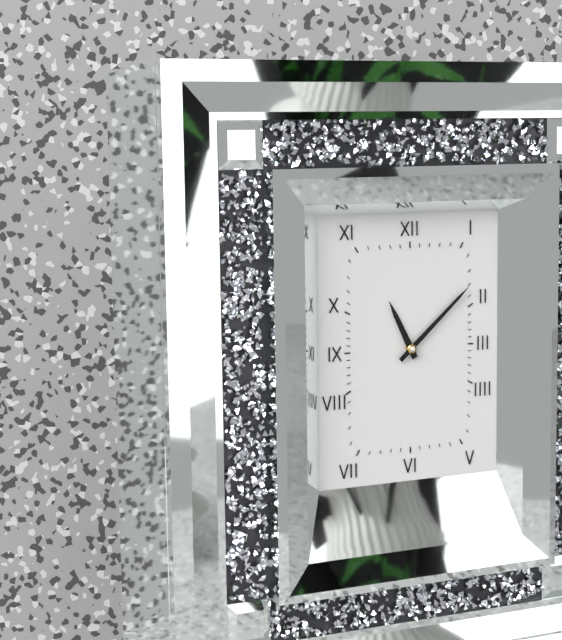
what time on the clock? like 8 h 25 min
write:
11 h 08 min
